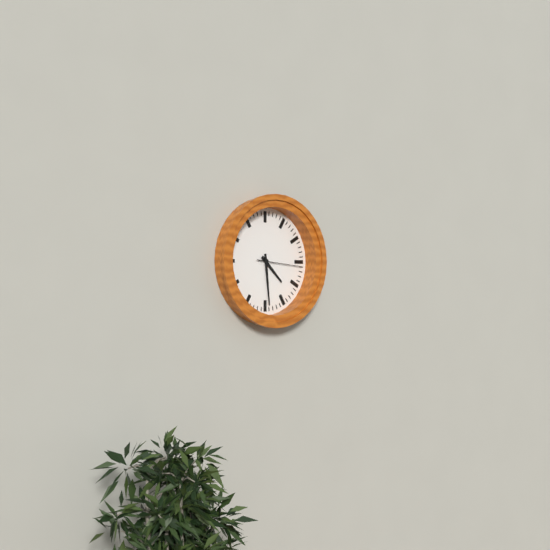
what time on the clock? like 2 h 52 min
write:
4 h 29 min
